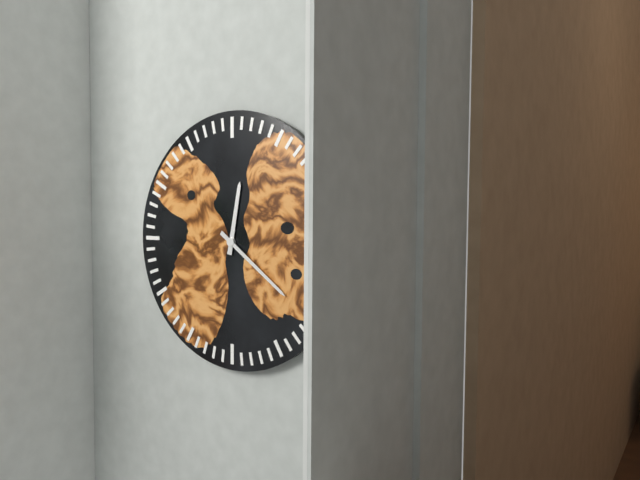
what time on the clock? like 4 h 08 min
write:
12 h 21 min
